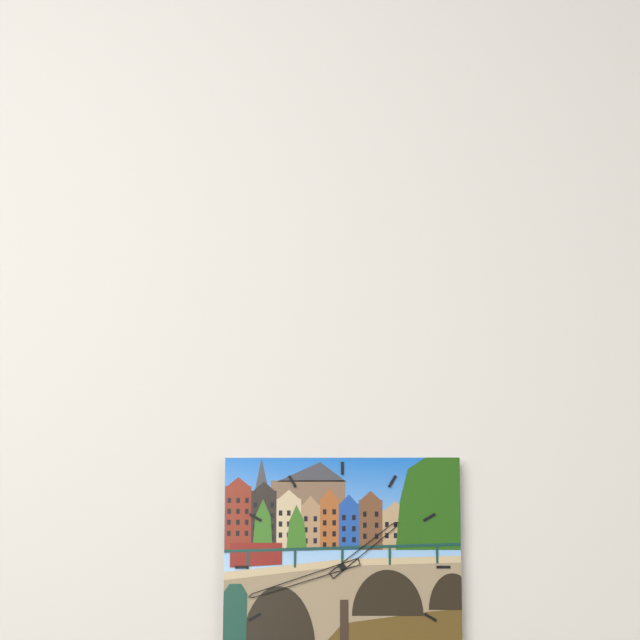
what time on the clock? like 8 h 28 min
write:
1 h 42 min
